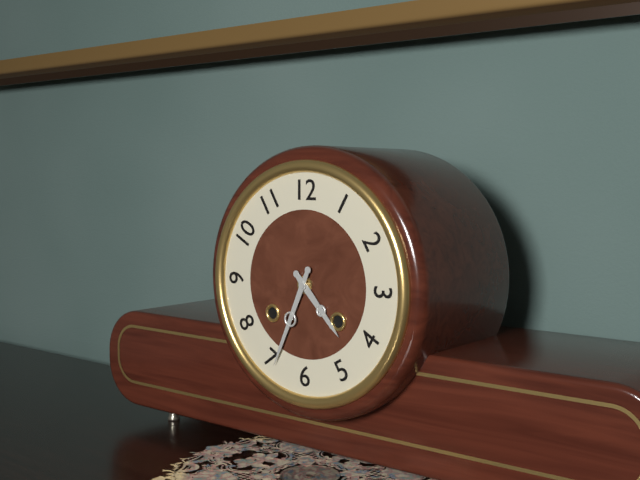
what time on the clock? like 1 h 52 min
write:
4 h 34 min
